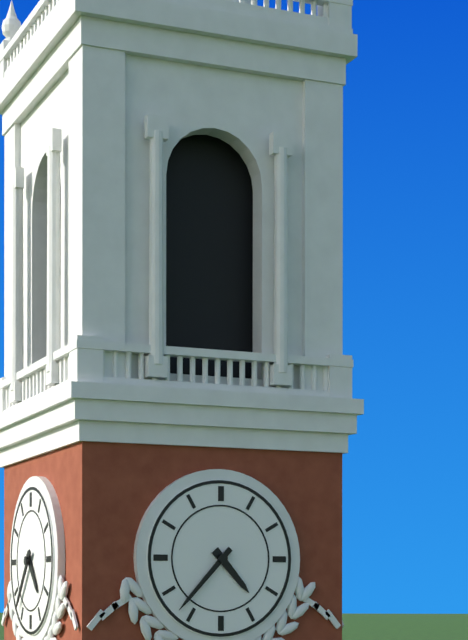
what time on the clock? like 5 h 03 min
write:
4 h 37 min
